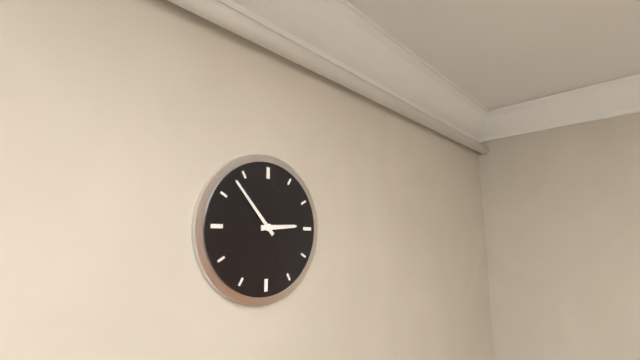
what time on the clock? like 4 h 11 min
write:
2 h 53 min
